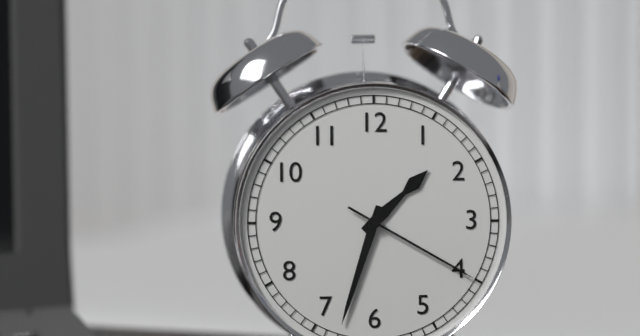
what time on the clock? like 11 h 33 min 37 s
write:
1 h 33 min 20 s
